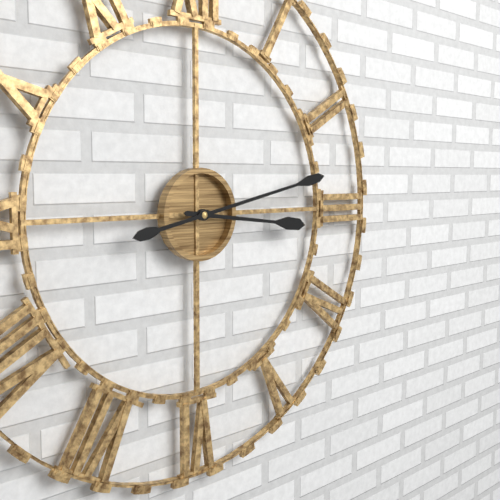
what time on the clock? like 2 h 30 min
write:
3 h 13 min
